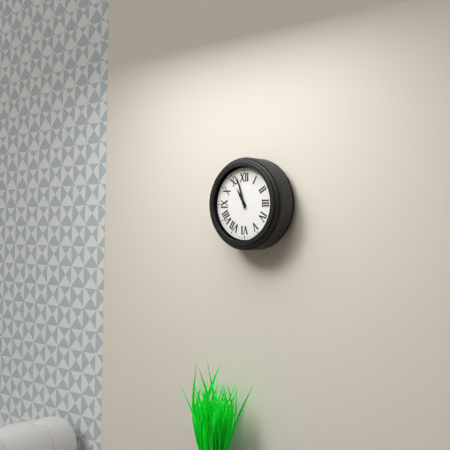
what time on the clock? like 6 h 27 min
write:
10 h 57 min
